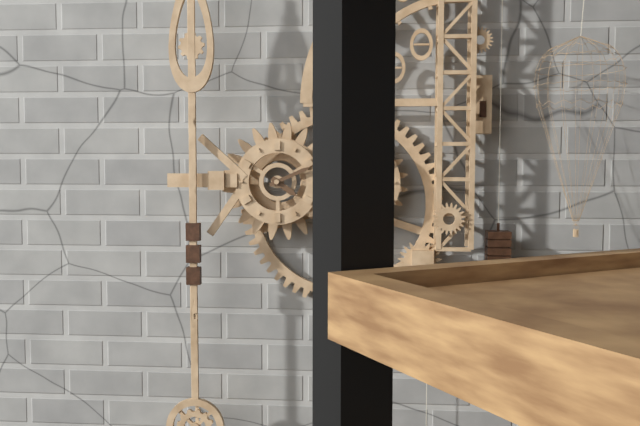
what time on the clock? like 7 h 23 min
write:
4 h 11 min
